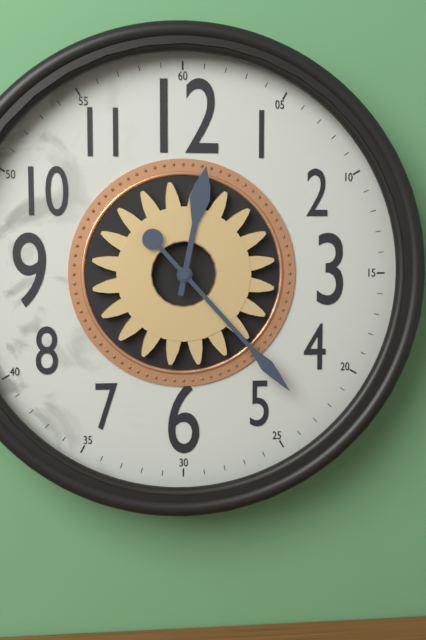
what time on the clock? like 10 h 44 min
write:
12 h 23 min
